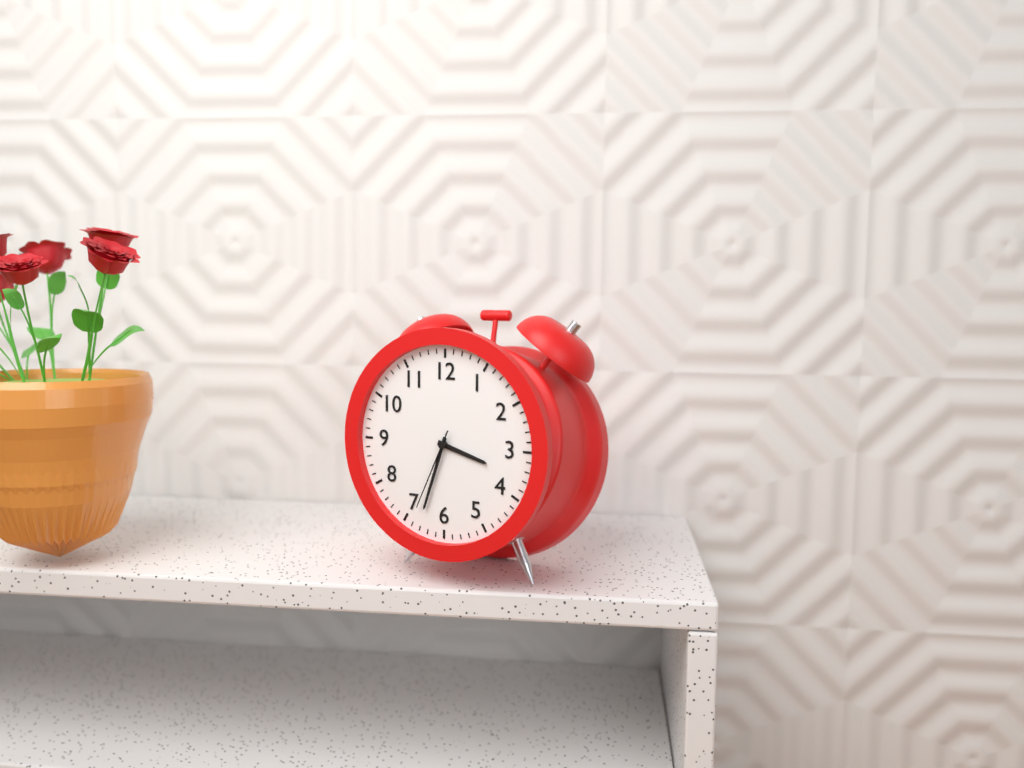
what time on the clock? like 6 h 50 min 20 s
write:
3 h 33 min 34 s
